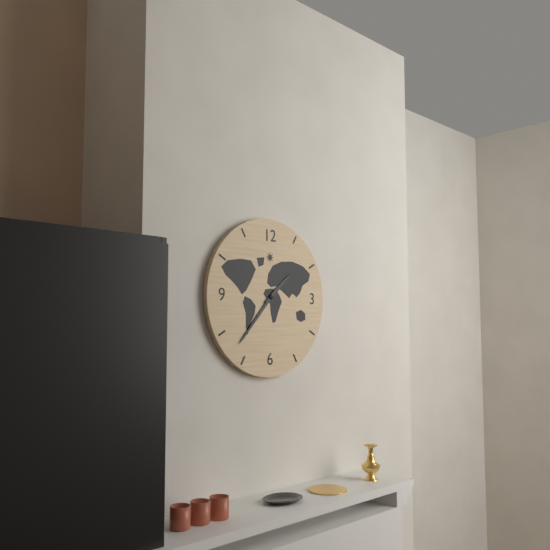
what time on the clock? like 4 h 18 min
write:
1 h 37 min
